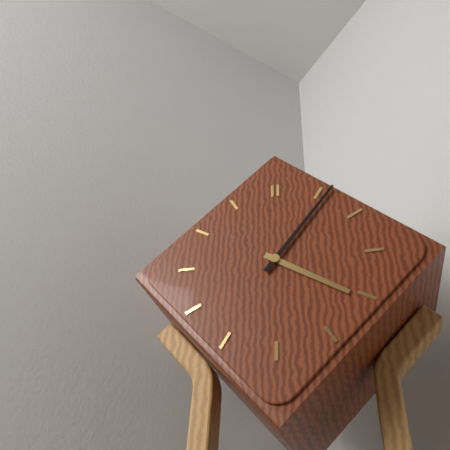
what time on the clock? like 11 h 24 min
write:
4 h 06 min
